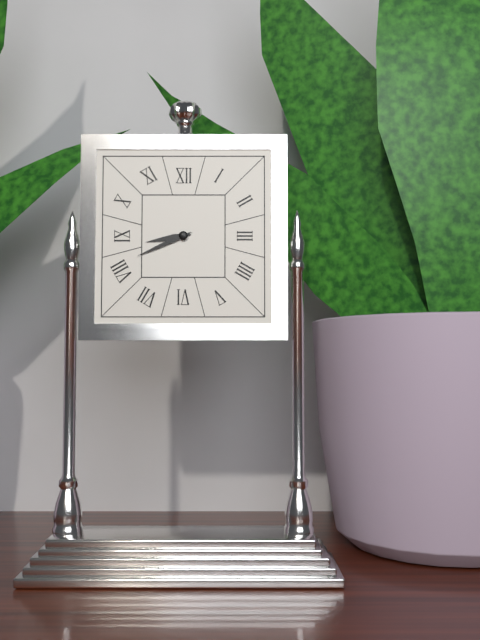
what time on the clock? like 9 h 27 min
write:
8 h 41 min
